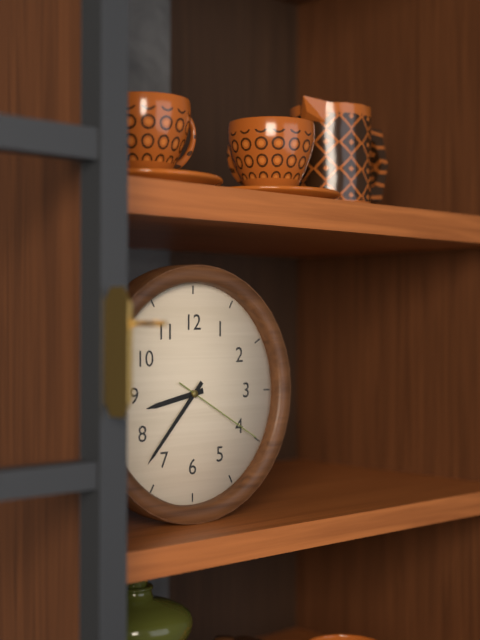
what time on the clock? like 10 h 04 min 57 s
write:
8 h 37 min 20 s
